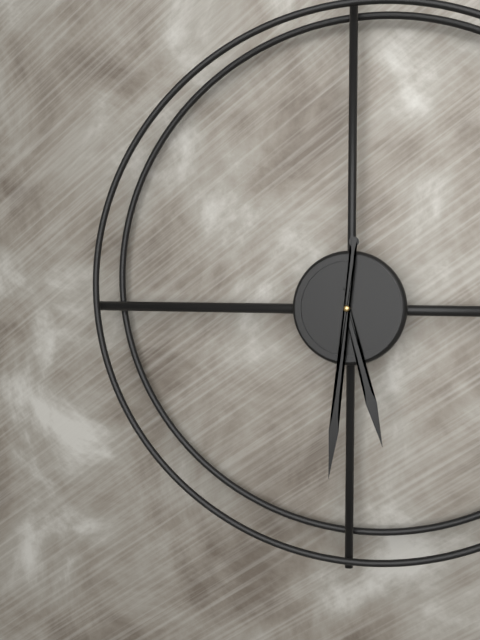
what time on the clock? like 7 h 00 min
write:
5 h 31 min
